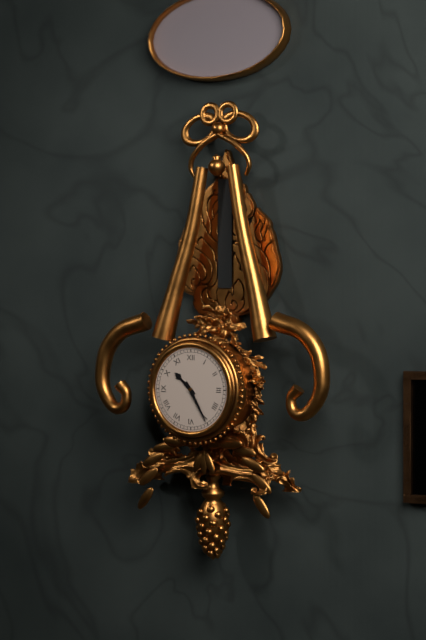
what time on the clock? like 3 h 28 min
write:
10 h 25 min
